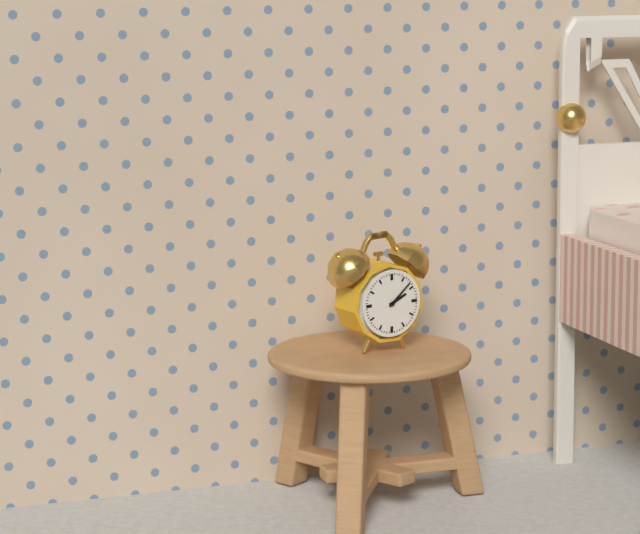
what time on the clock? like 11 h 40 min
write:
2 h 08 min
